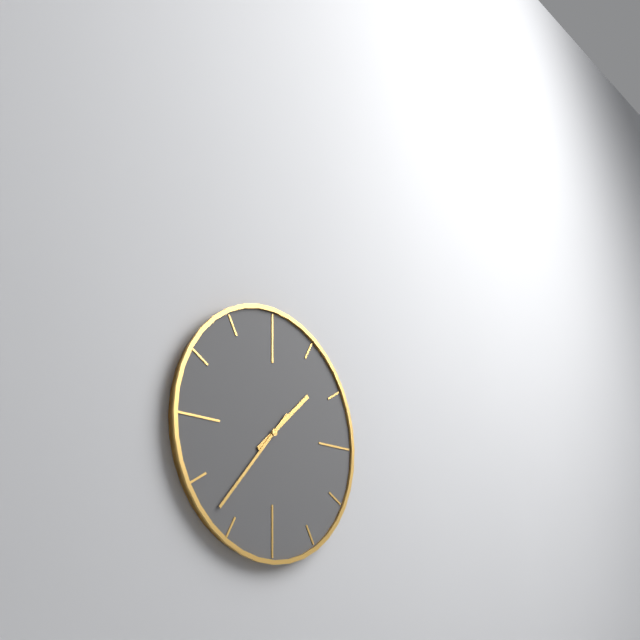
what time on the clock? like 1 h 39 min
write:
1 h 37 min
